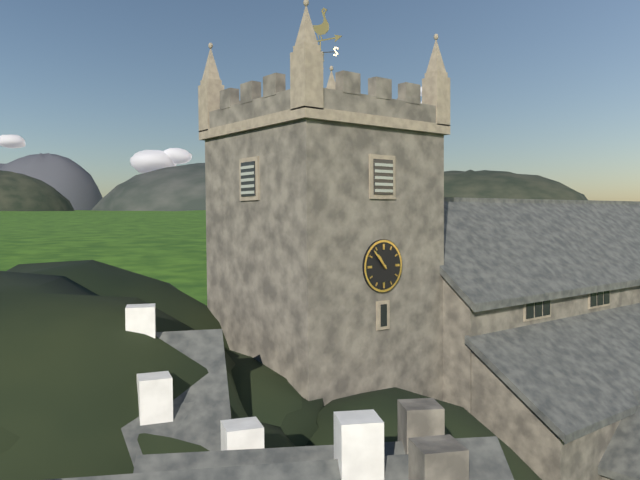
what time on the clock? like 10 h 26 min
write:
10 h 53 min
